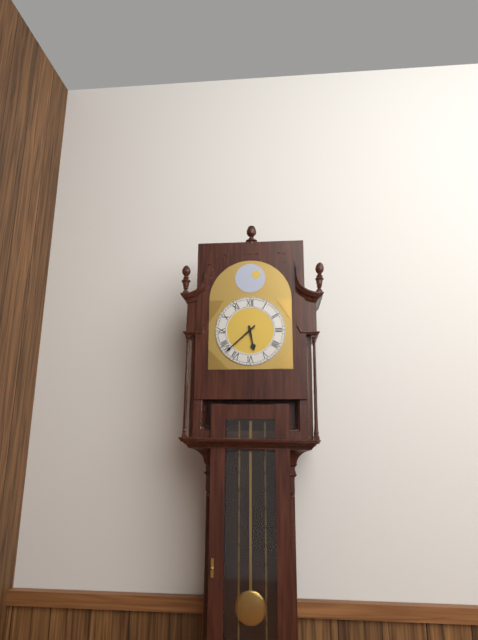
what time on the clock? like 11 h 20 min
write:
5 h 38 min
